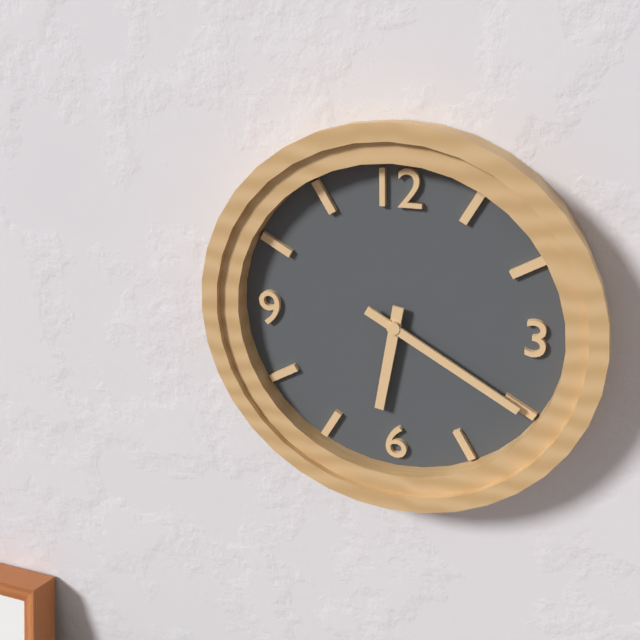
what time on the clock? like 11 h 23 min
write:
6 h 20 min
